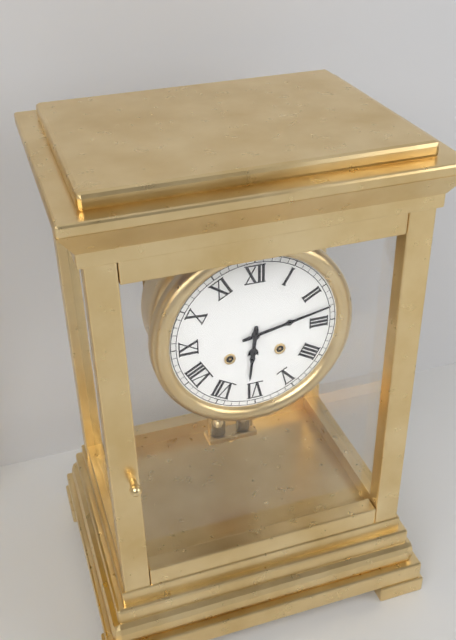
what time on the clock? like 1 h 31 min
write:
6 h 13 min
